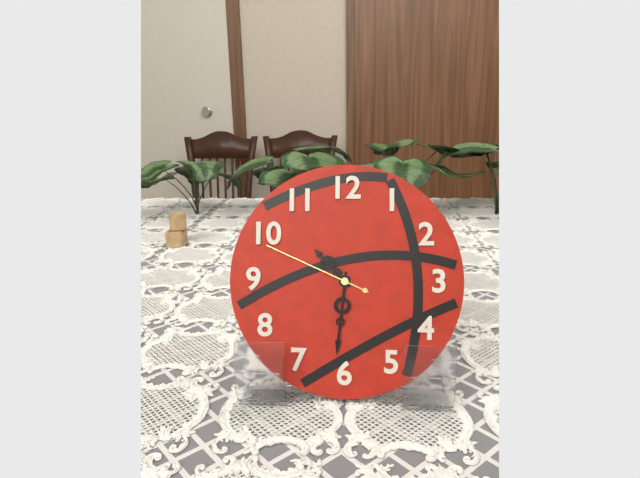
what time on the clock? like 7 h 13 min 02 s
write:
10 h 31 min 49 s
